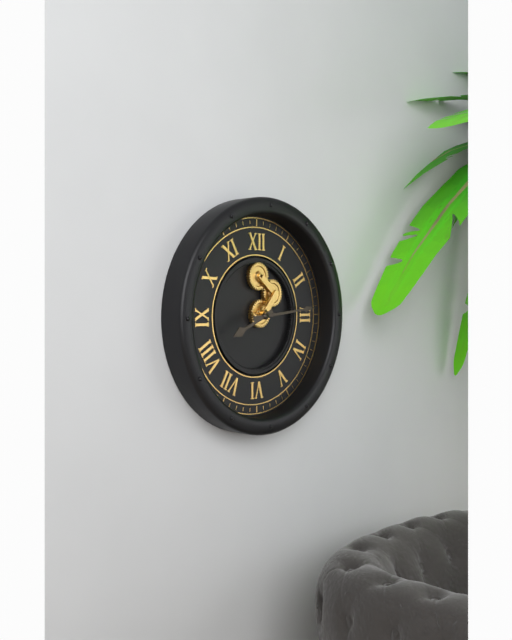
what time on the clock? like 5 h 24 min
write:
8 h 14 min
